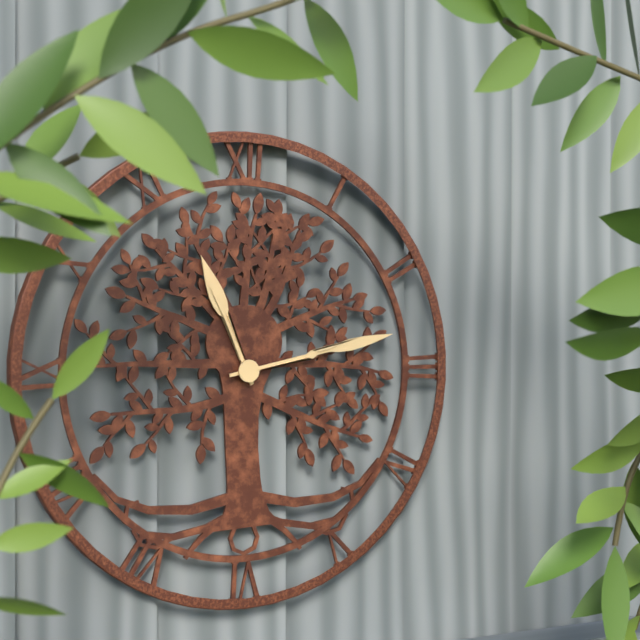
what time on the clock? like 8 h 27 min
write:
11 h 13 min
